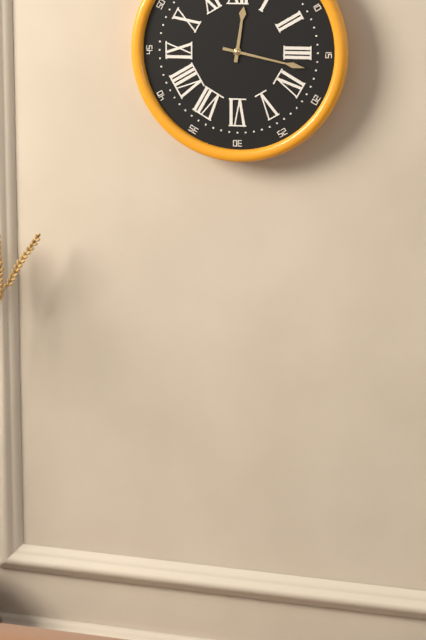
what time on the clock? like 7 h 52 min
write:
12 h 17 min
